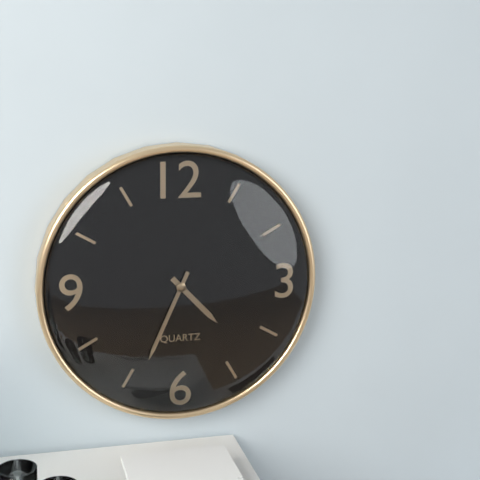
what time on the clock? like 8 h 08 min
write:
4 h 34 min
